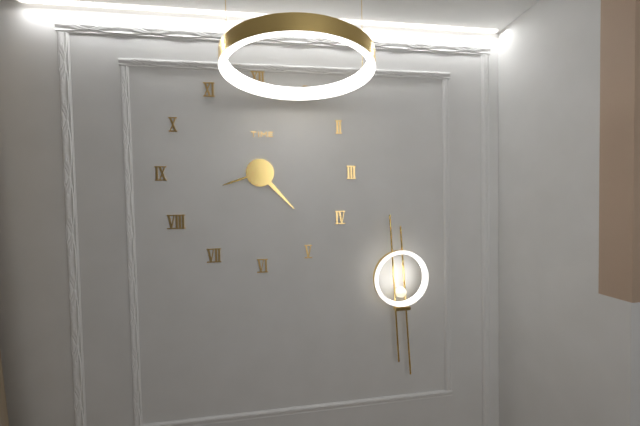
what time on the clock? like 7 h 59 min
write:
8 h 23 min
